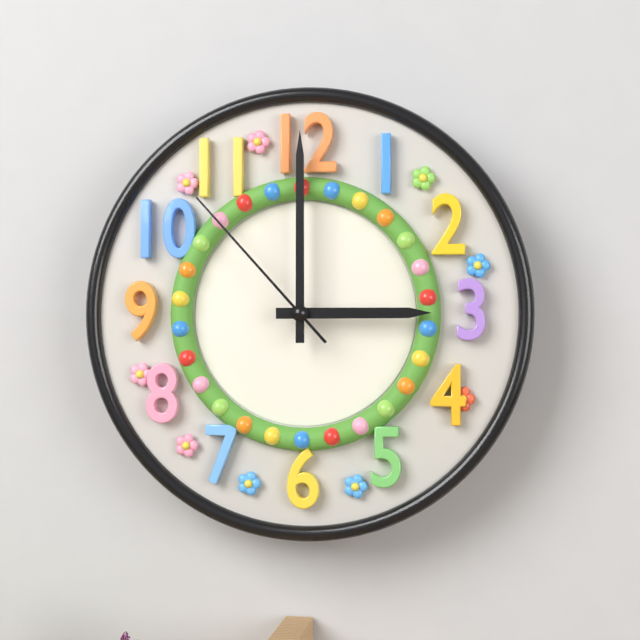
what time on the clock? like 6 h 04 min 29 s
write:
3 h 00 min 53 s
